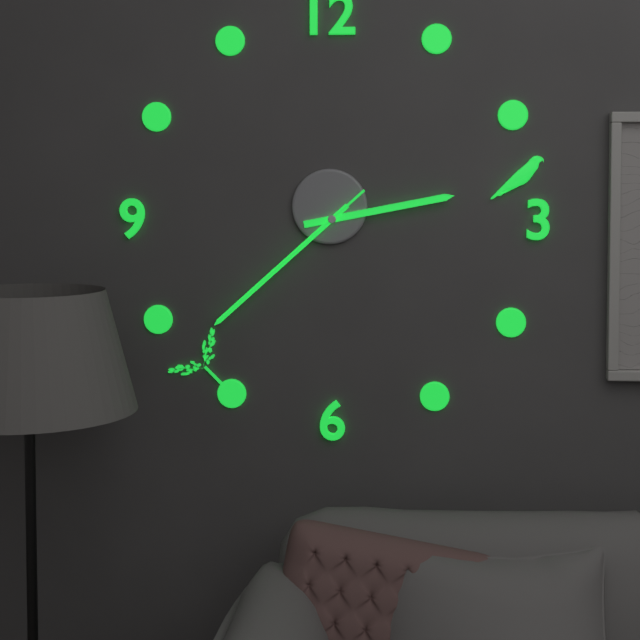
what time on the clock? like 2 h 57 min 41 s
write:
2 h 38 min 38 s
